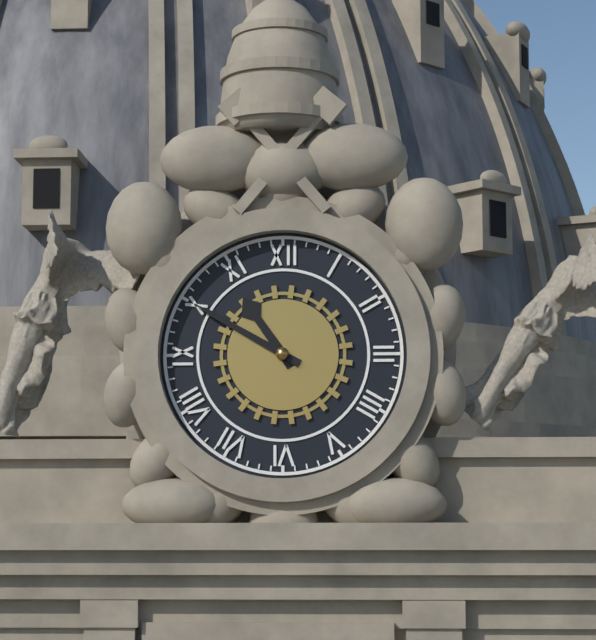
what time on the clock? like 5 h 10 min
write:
10 h 50 min
